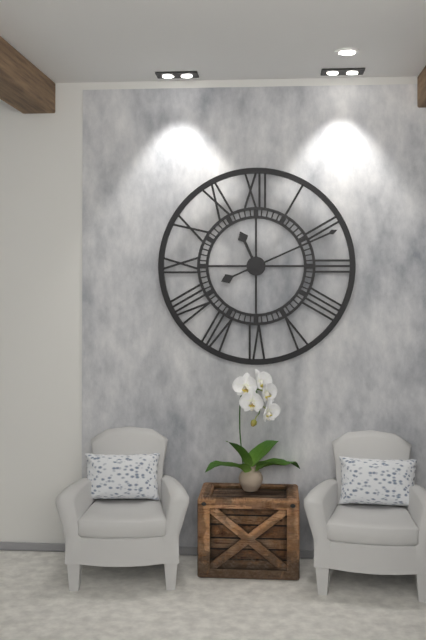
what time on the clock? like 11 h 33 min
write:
11 h 11 min
